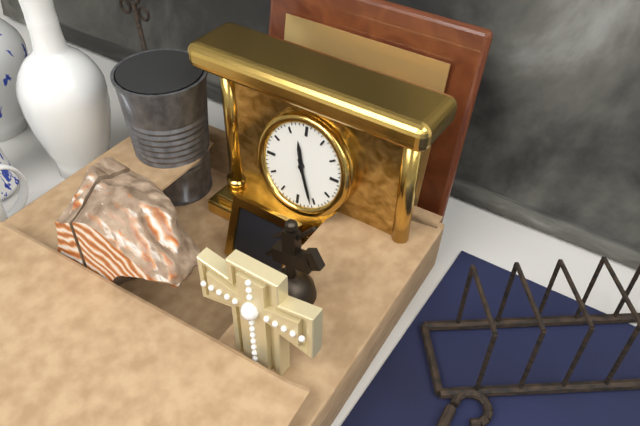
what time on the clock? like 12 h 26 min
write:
11 h 26 min
